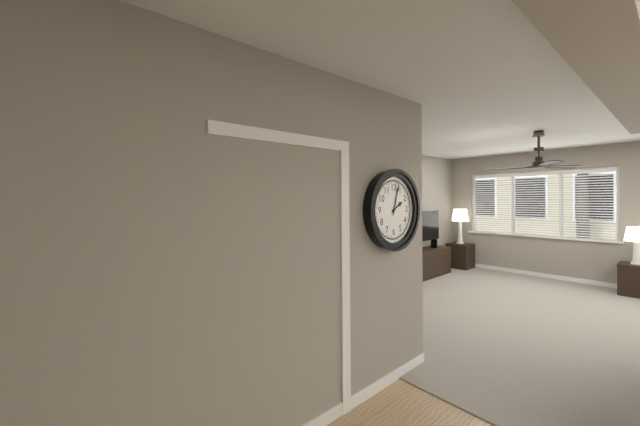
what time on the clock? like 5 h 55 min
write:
2 h 03 min
